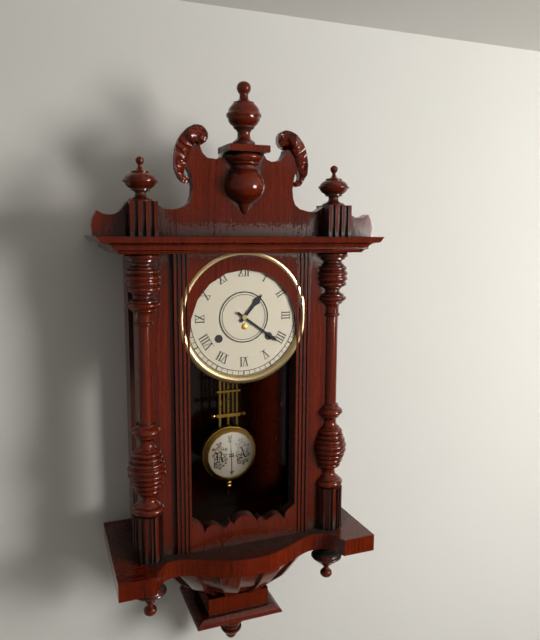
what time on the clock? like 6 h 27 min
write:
1 h 21 min
